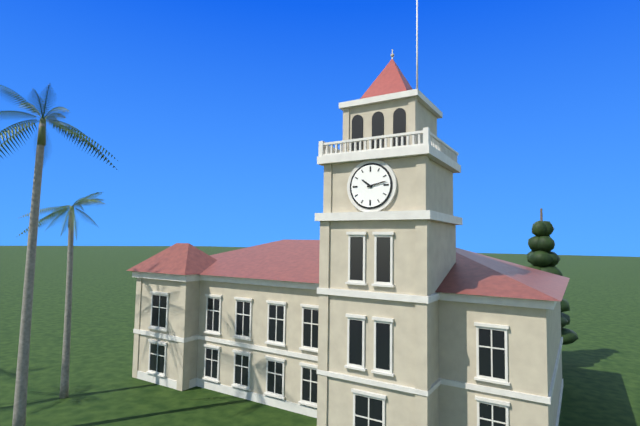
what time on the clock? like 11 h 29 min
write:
10 h 13 min
